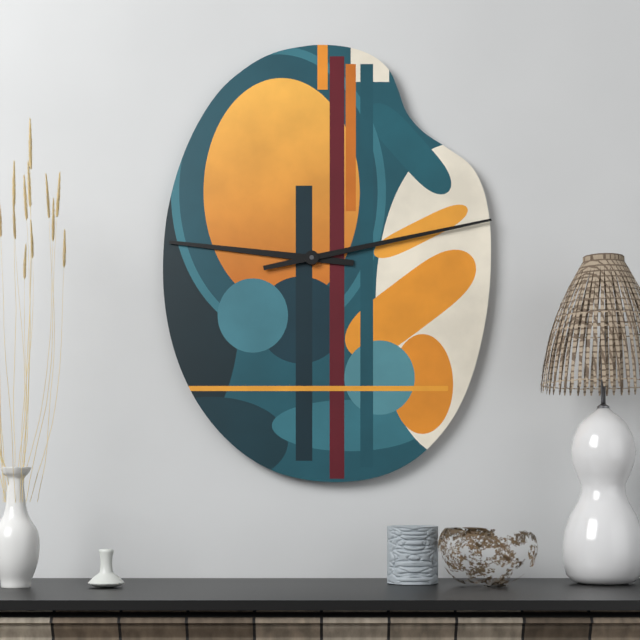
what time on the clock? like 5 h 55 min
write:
9 h 13 min
